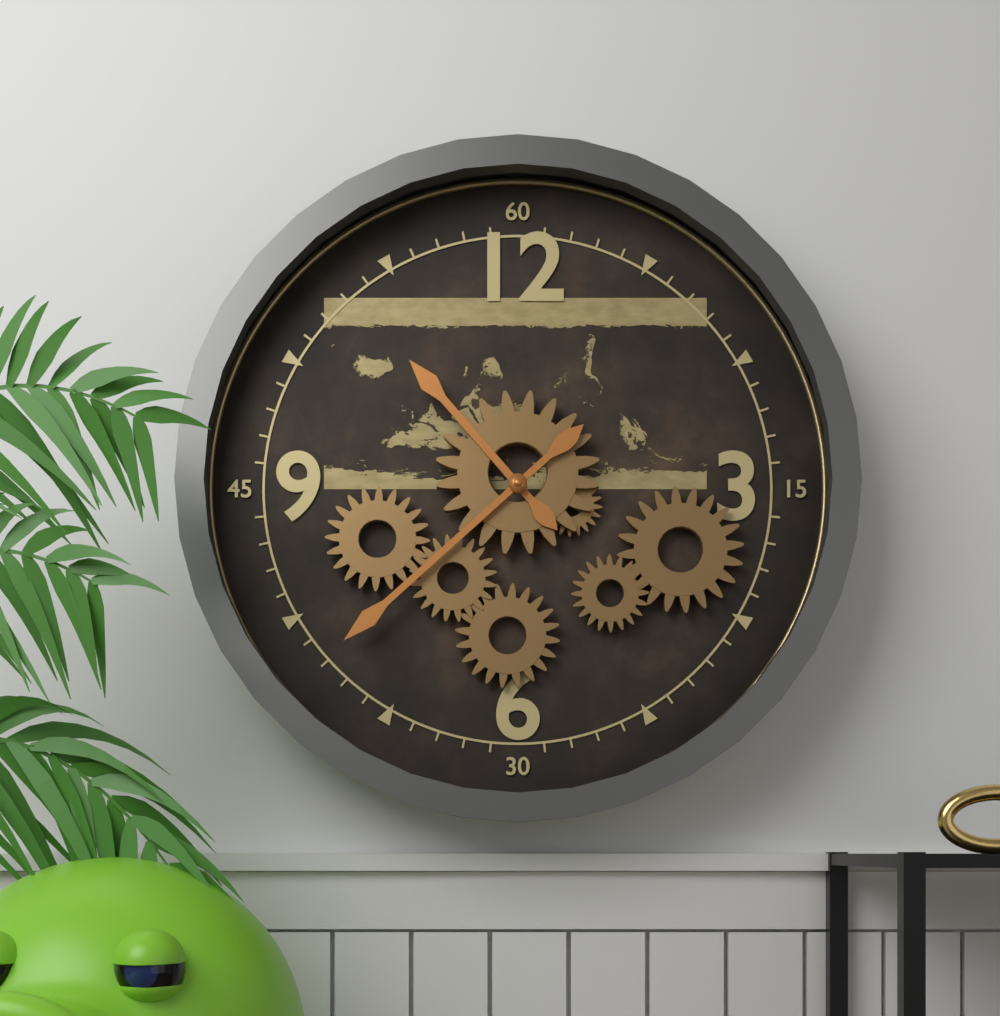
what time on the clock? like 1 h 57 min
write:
10 h 38 min
